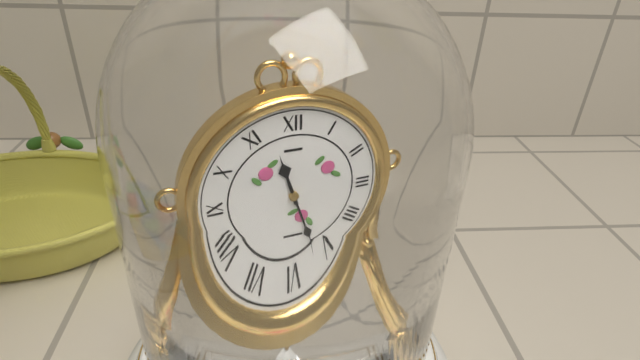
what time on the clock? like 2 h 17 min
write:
11 h 27 min
